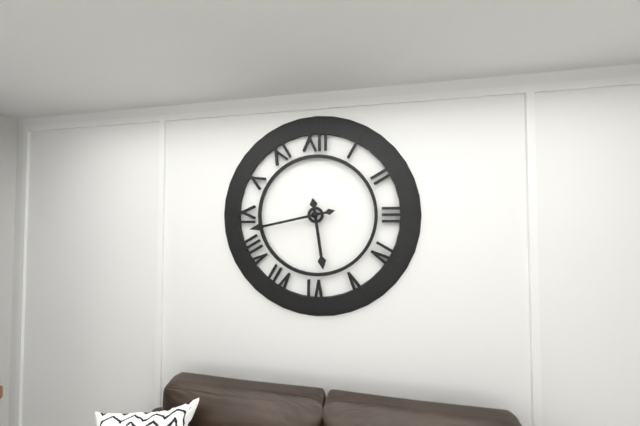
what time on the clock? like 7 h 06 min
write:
5 h 43 min
